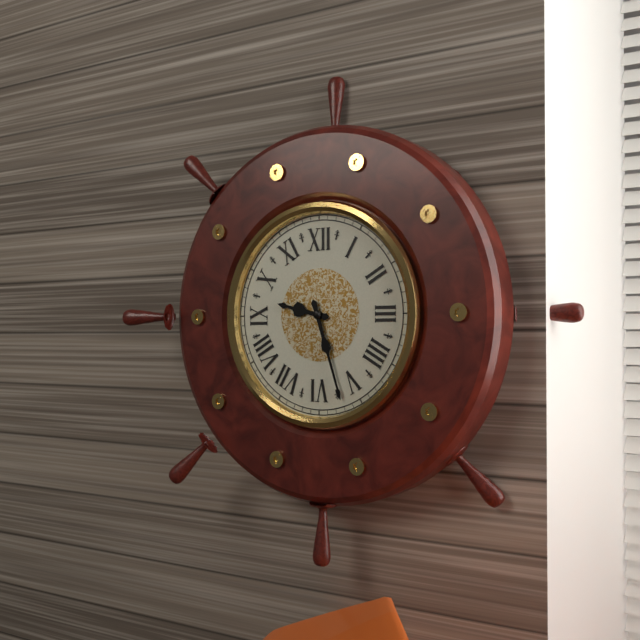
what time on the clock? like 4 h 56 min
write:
9 h 27 min
